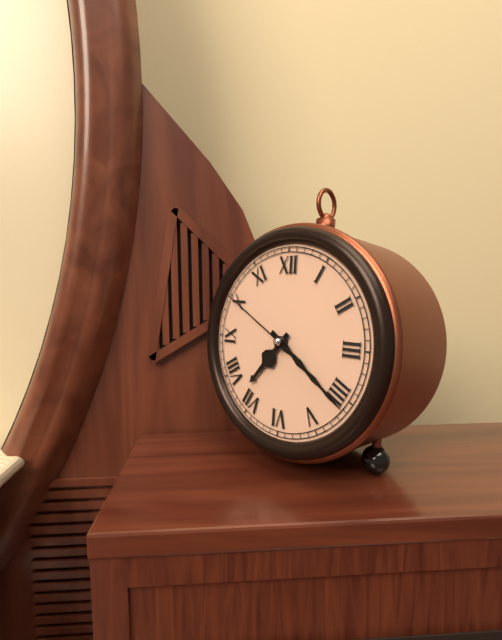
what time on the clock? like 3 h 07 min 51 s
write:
7 h 21 min 50 s
